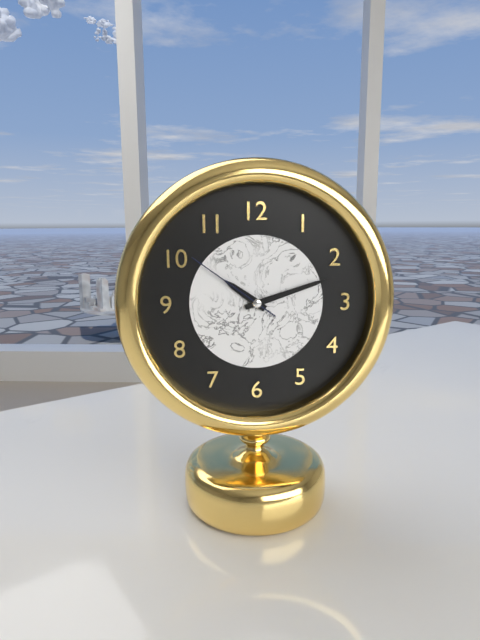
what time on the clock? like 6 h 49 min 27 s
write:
10 h 12 min 51 s
